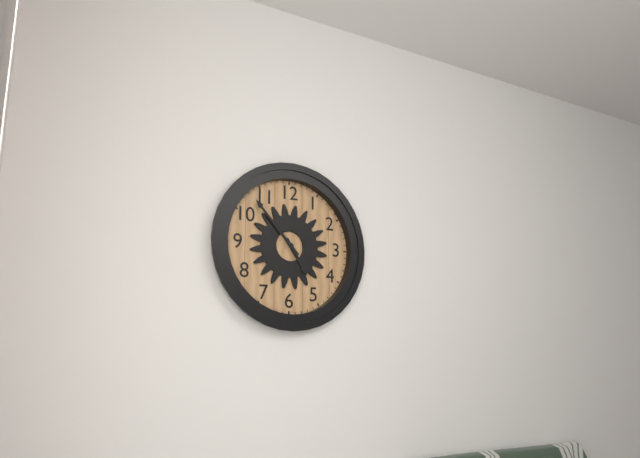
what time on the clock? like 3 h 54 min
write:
4 h 53 min
